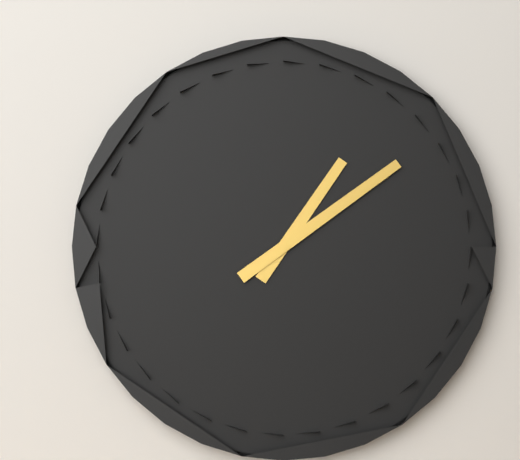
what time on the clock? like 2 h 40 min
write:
1 h 09 min
